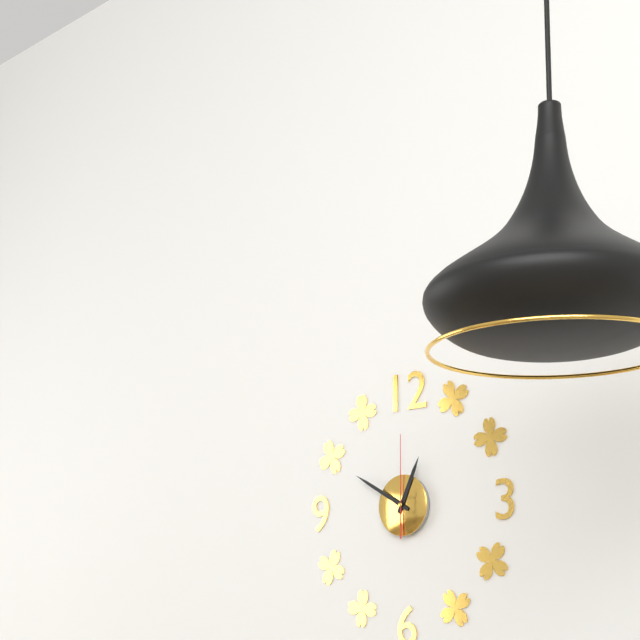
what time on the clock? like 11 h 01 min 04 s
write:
12 h 50 min 00 s
